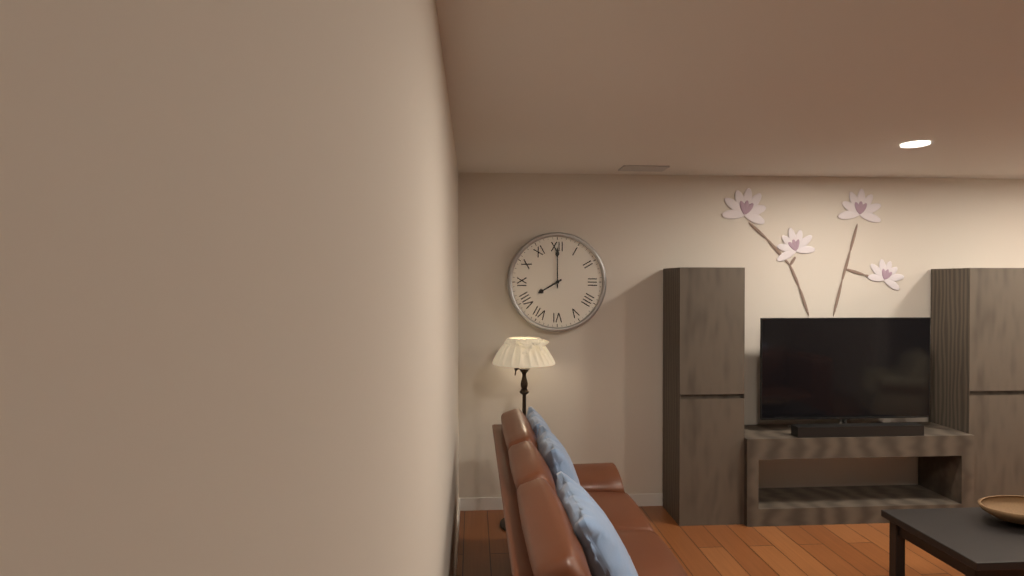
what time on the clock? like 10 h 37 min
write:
8 h 00 min
